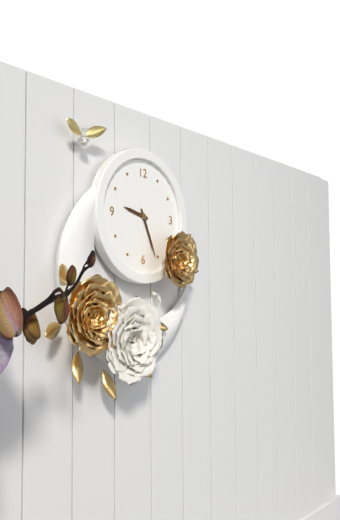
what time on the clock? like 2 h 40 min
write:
9 h 26 min
